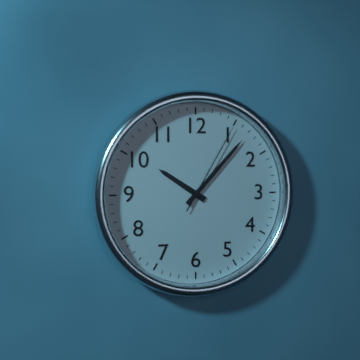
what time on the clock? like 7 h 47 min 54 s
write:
10 h 07 min 05 s
